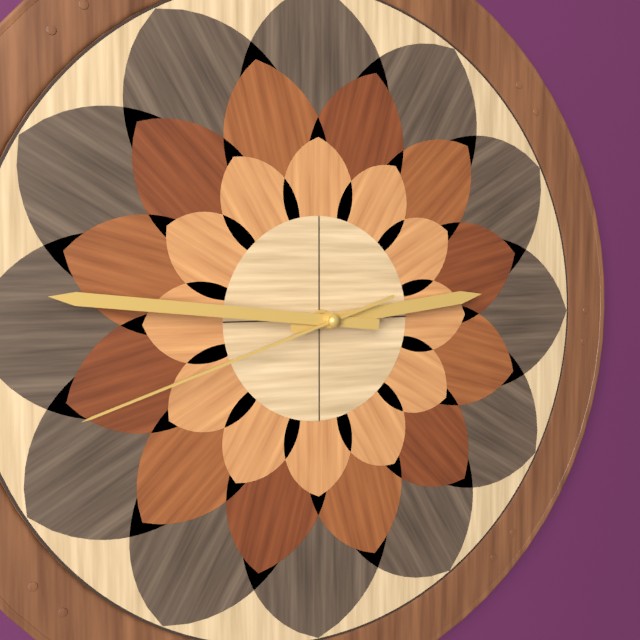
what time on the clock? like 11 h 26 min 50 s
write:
2 h 46 min 42 s
